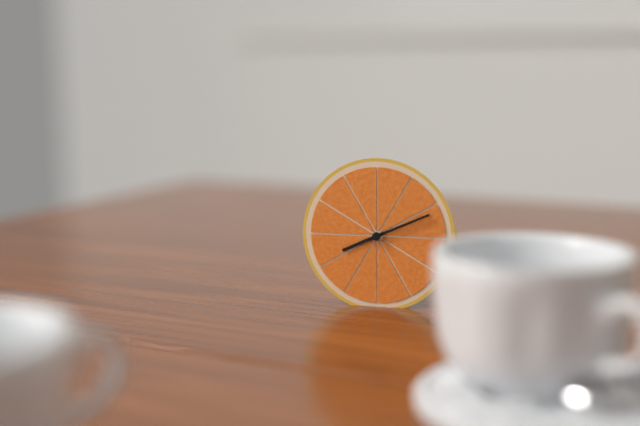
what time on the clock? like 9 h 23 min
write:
8 h 11 min
